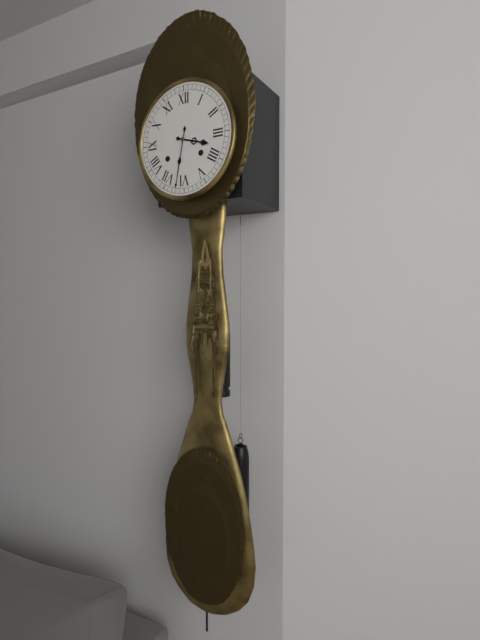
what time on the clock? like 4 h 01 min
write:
3 h 32 min
